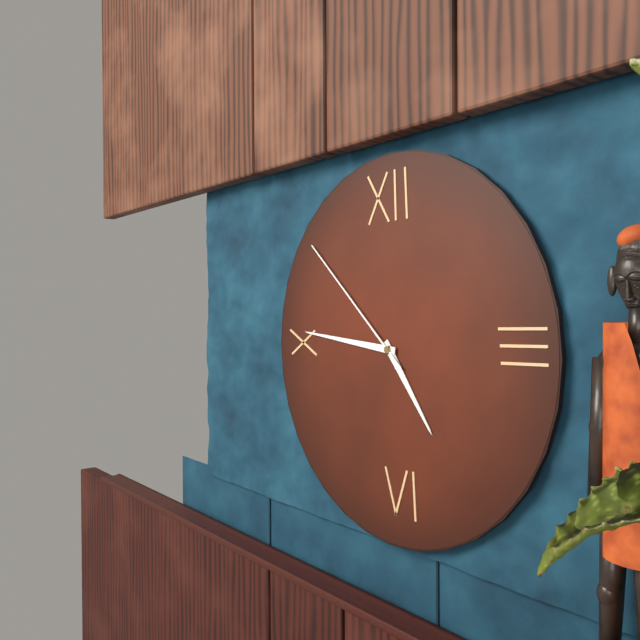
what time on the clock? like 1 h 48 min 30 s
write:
4 h 46 min 52 s
